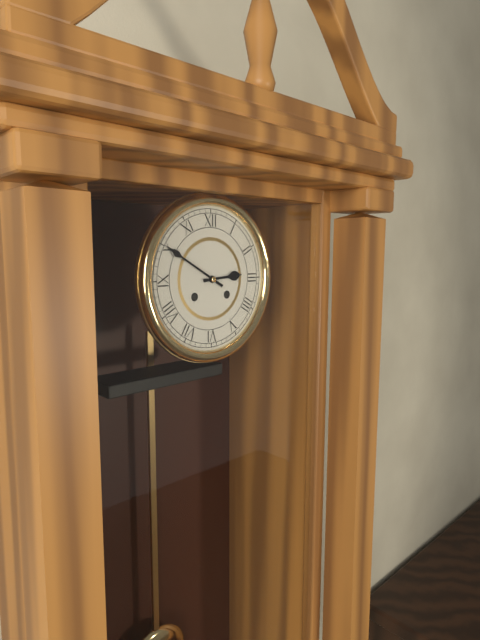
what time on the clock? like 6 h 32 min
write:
2 h 50 min
